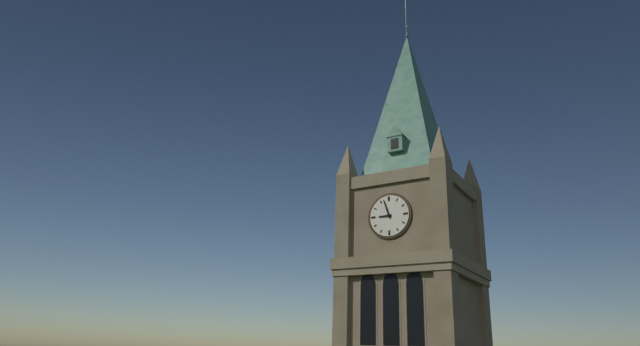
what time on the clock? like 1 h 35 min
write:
8 h 57 min
